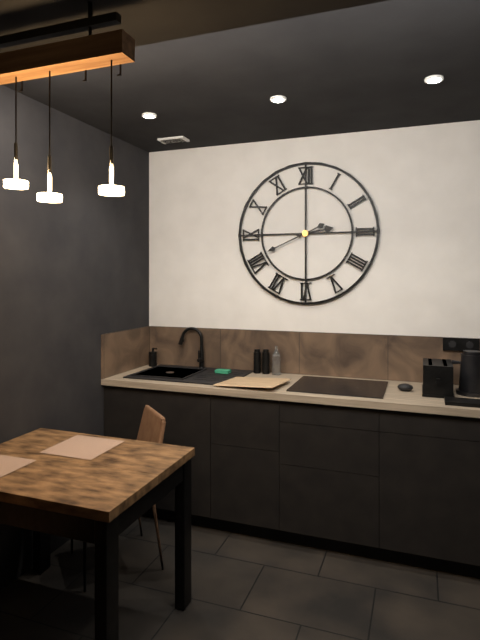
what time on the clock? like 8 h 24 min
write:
2 h 41 min
